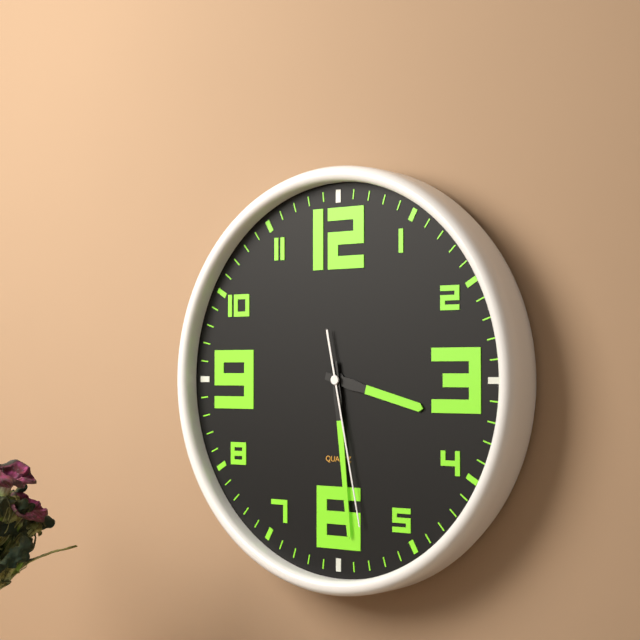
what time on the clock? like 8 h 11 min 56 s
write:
3 h 29 min 28 s
